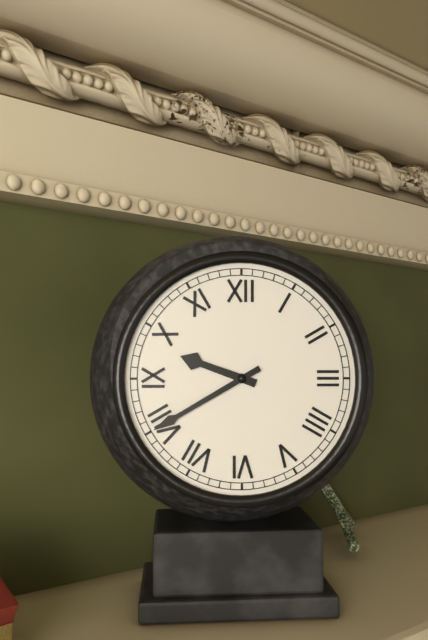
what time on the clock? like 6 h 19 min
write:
9 h 40 min
